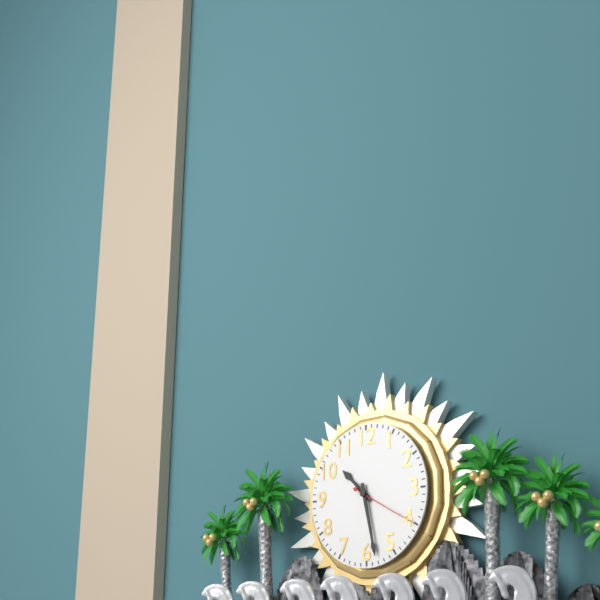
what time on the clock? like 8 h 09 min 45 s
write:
10 h 28 min 20 s
